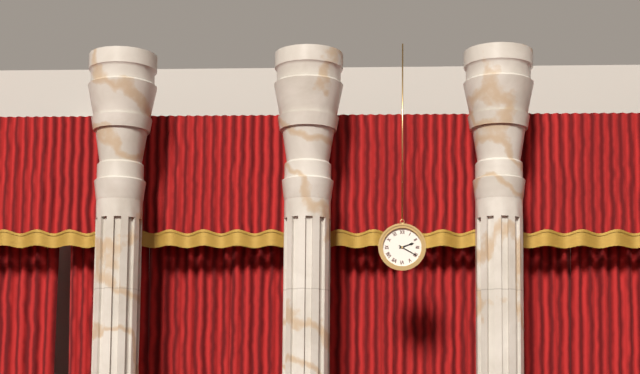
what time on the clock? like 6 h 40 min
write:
2 h 20 min
